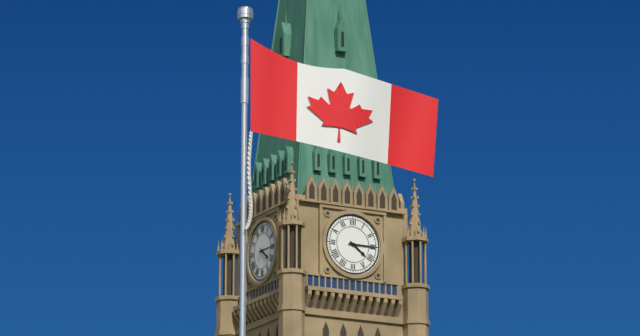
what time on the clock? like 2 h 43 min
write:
4 h 15 min
